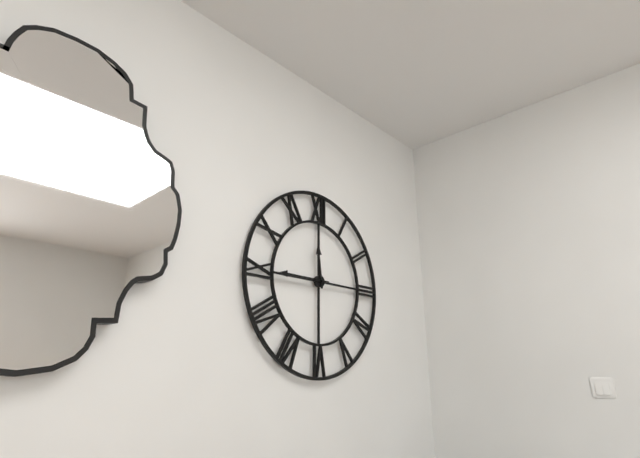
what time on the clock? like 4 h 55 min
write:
11 h 45 min
